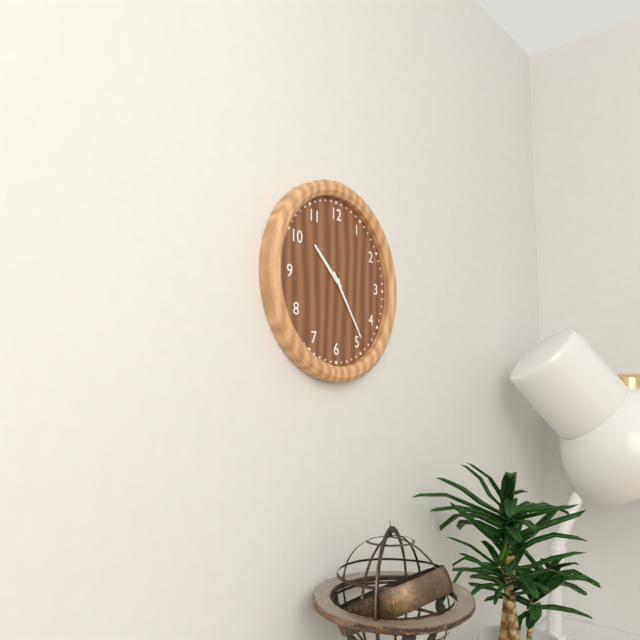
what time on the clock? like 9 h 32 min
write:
10 h 24 min
